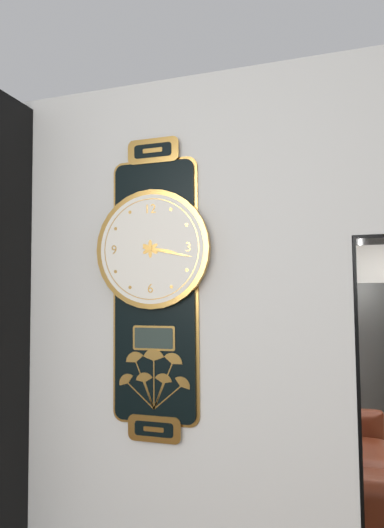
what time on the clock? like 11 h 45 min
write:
3 h 17 min
